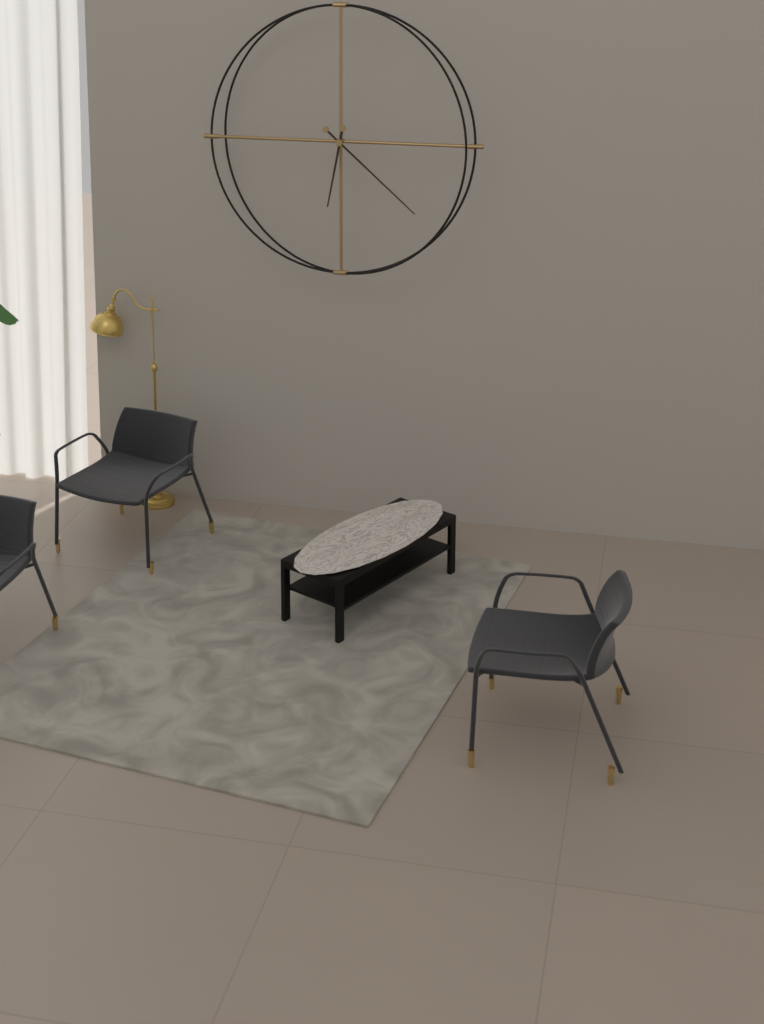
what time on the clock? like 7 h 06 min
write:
6 h 22 min
